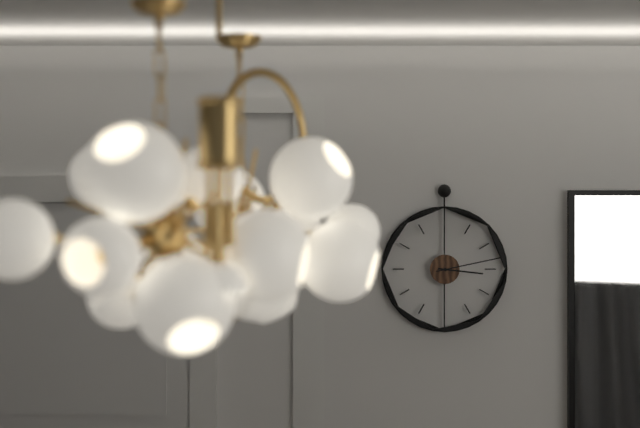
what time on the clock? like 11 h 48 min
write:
3 h 13 min
